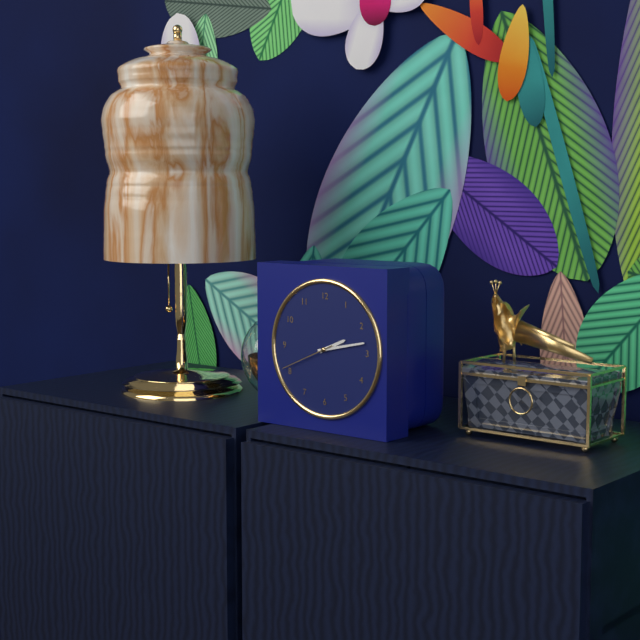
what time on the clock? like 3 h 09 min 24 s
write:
2 h 13 min 41 s
